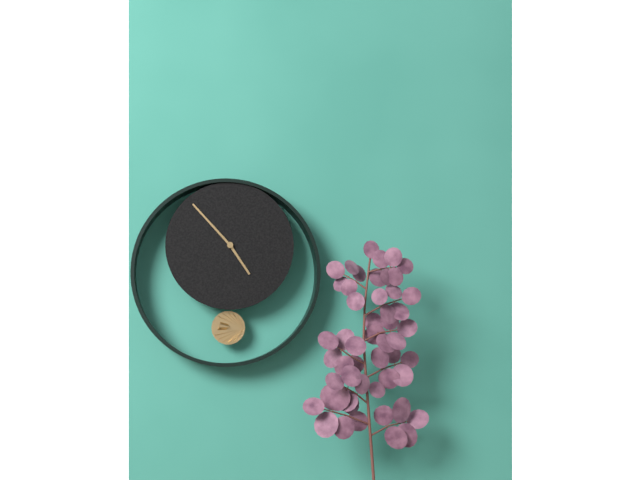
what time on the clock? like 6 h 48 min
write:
4 h 53 min
